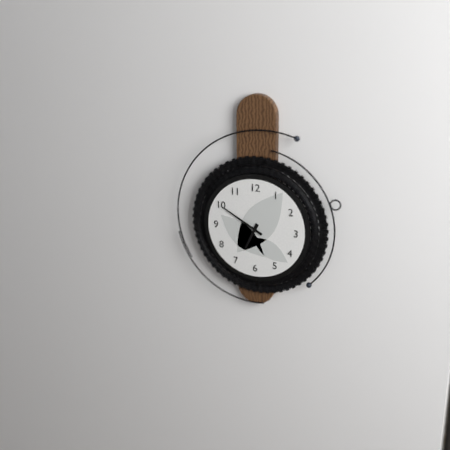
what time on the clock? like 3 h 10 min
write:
6 h 50 min
